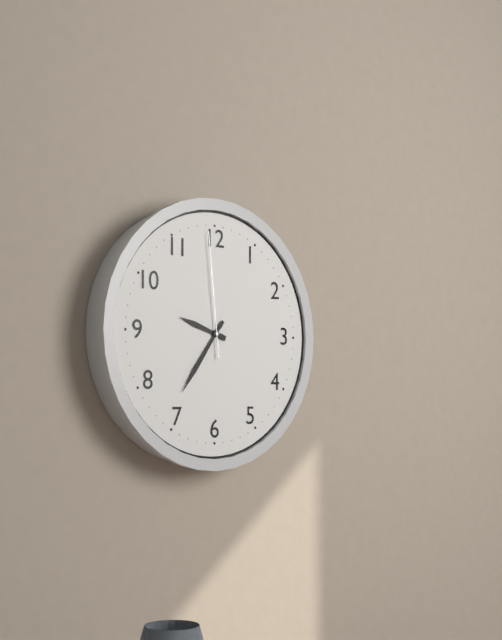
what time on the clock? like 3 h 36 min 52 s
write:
9 h 36 min 59 s
